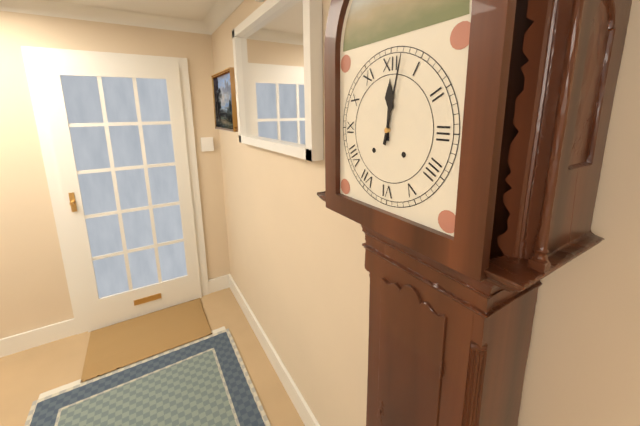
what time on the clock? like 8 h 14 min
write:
12 h 02 min
